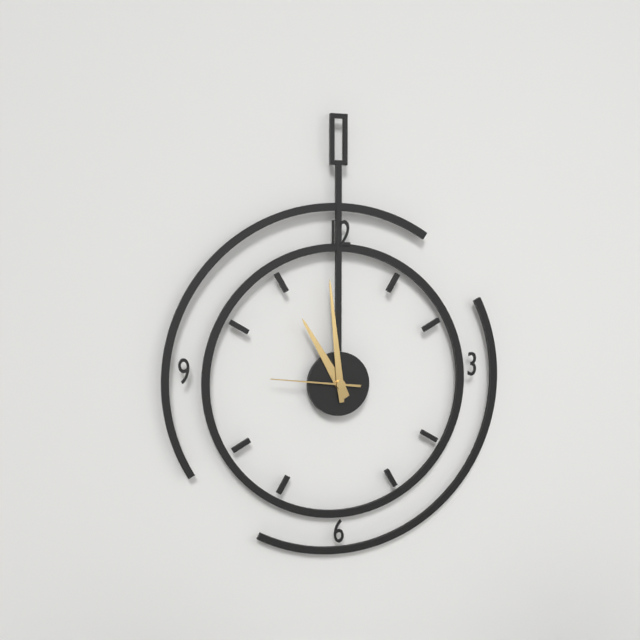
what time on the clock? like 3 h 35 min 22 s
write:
10 h 59 min 46 s
